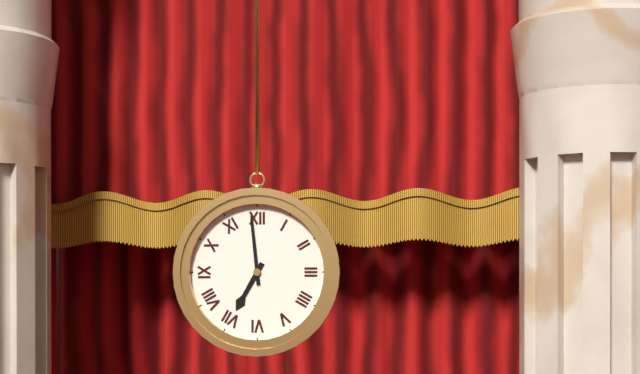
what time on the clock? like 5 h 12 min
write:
6 h 59 min
